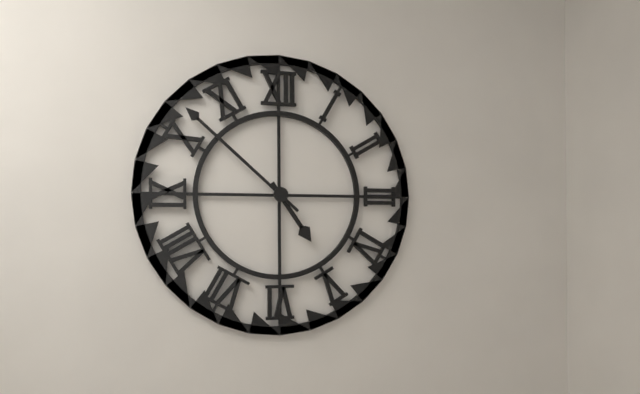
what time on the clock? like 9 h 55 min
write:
4 h 52 min
